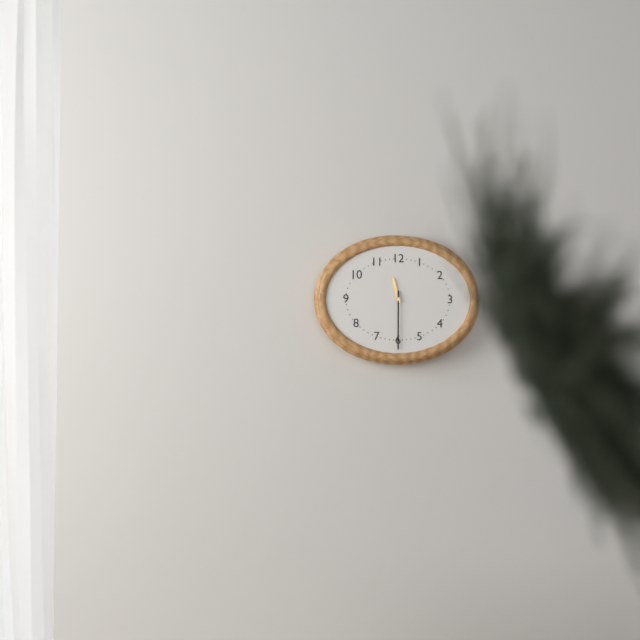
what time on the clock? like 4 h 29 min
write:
11 h 30 min
